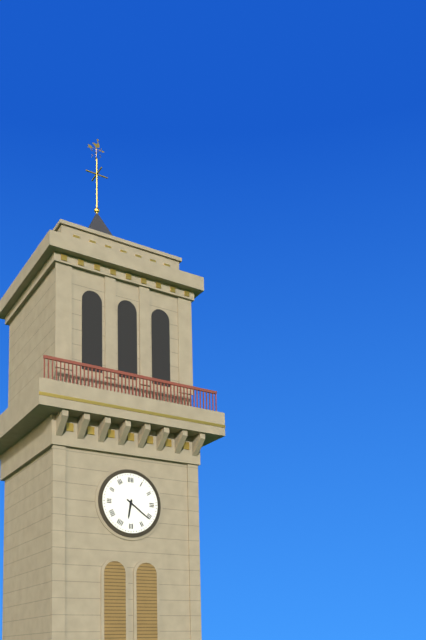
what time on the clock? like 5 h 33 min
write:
6 h 21 min
